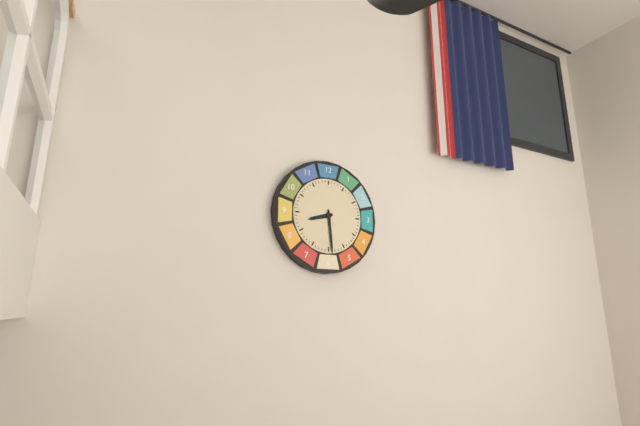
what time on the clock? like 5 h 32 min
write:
8 h 29 min
